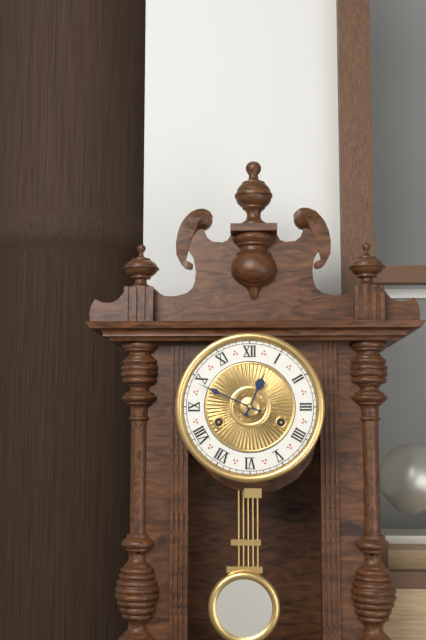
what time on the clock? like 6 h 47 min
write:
12 h 49 min
